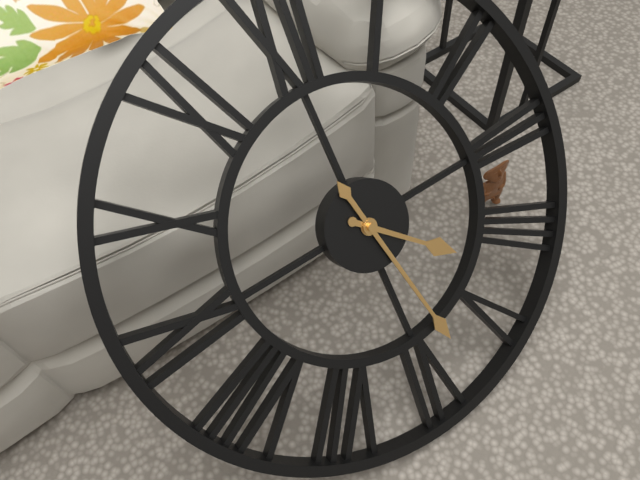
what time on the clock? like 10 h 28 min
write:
4 h 28 min
